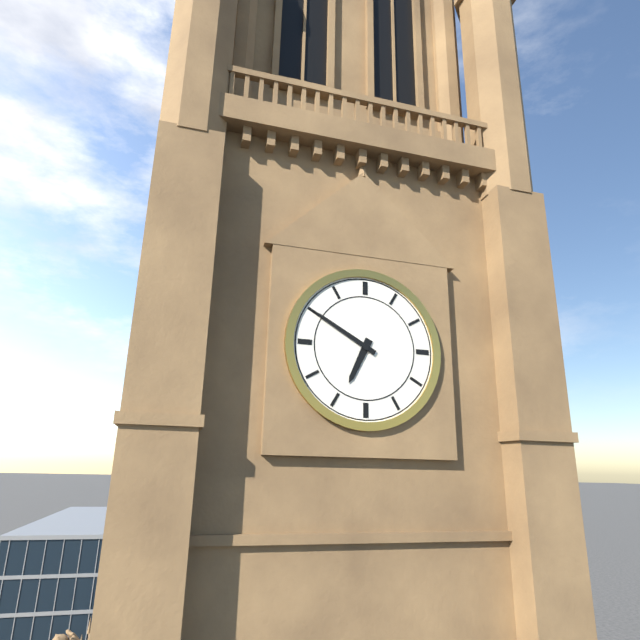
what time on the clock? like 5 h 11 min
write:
6 h 50 min
